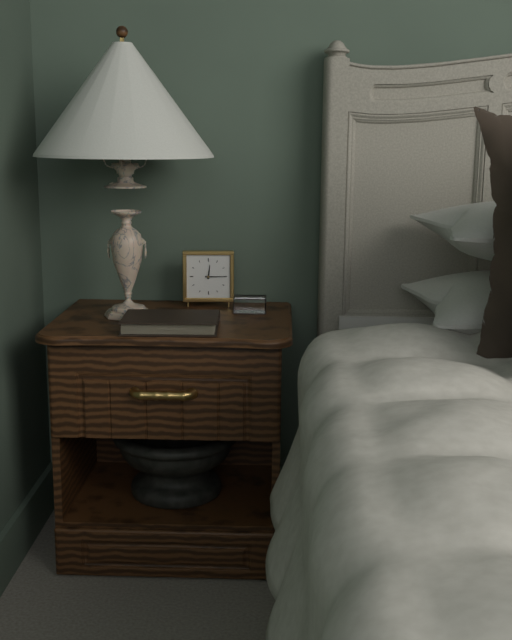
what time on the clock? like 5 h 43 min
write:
12 h 15 min
